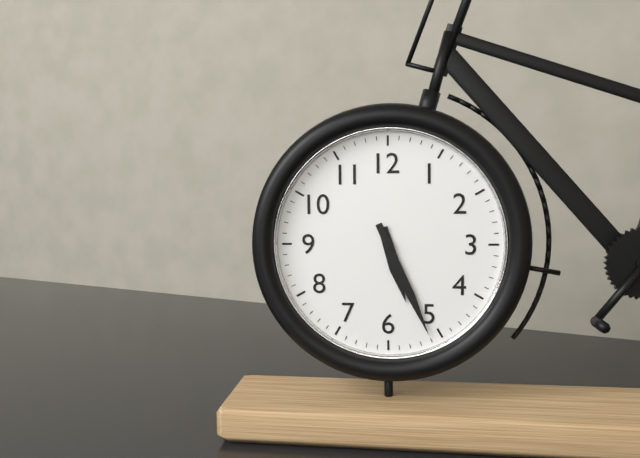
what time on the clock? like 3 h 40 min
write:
5 h 26 min
